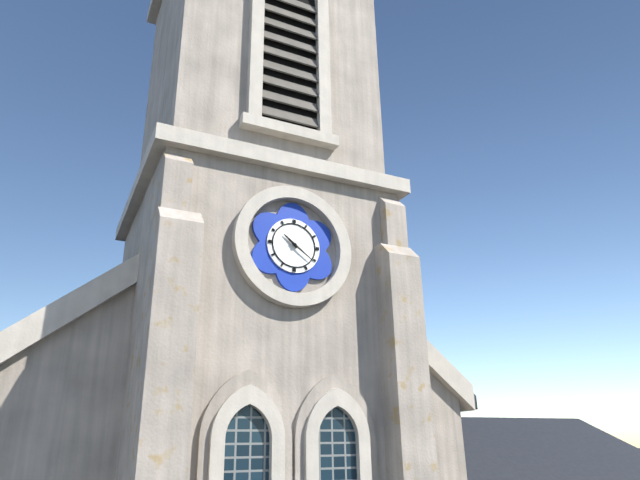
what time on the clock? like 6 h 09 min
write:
10 h 21 min
